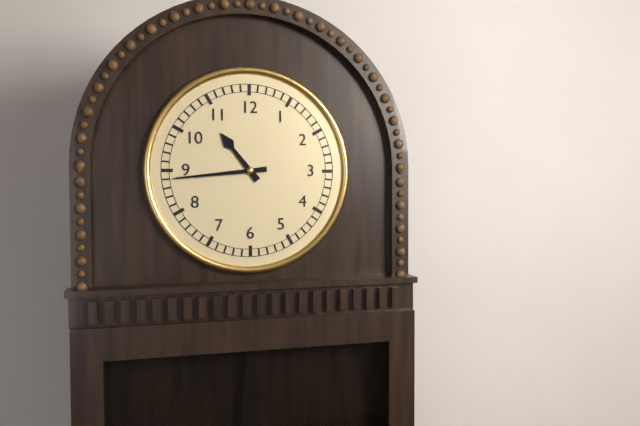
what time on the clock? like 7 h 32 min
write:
10 h 44 min
